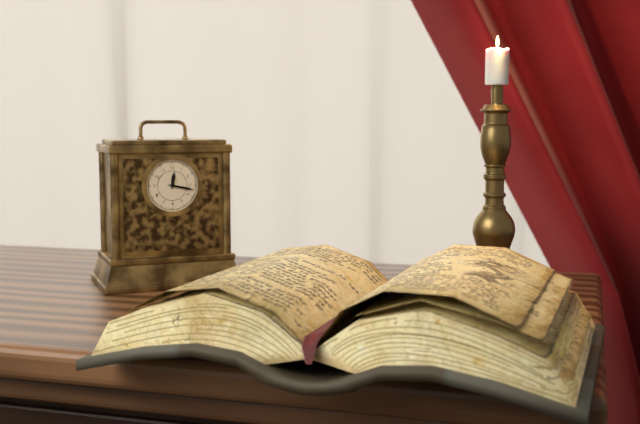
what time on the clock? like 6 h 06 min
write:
12 h 17 min
